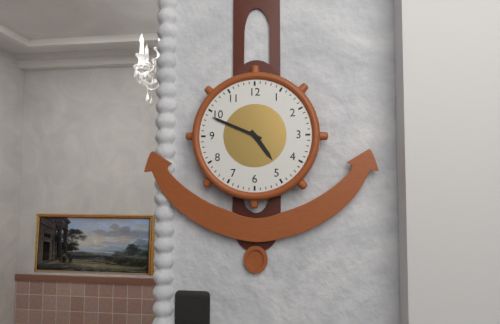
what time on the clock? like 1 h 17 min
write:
4 h 49 min
